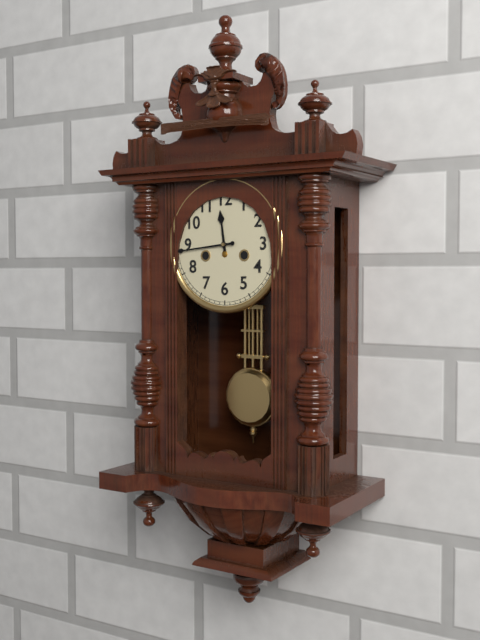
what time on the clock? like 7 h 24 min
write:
11 h 44 min
